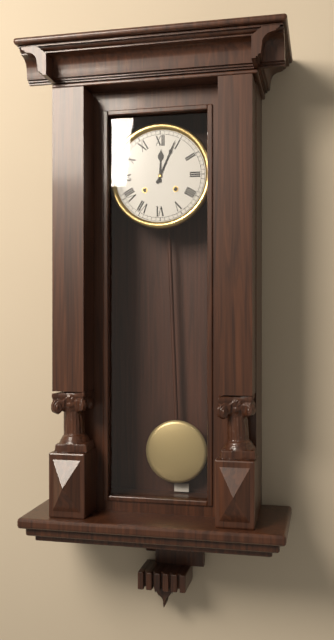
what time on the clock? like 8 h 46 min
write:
12 h 04 min
